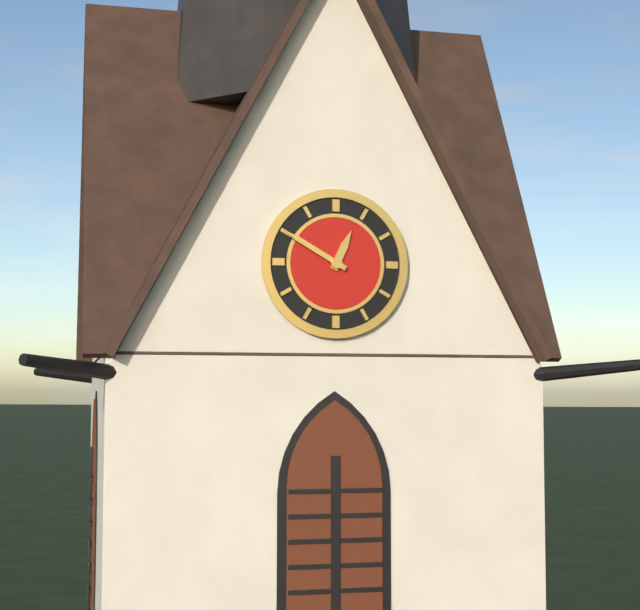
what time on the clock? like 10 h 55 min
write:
12 h 50 min
